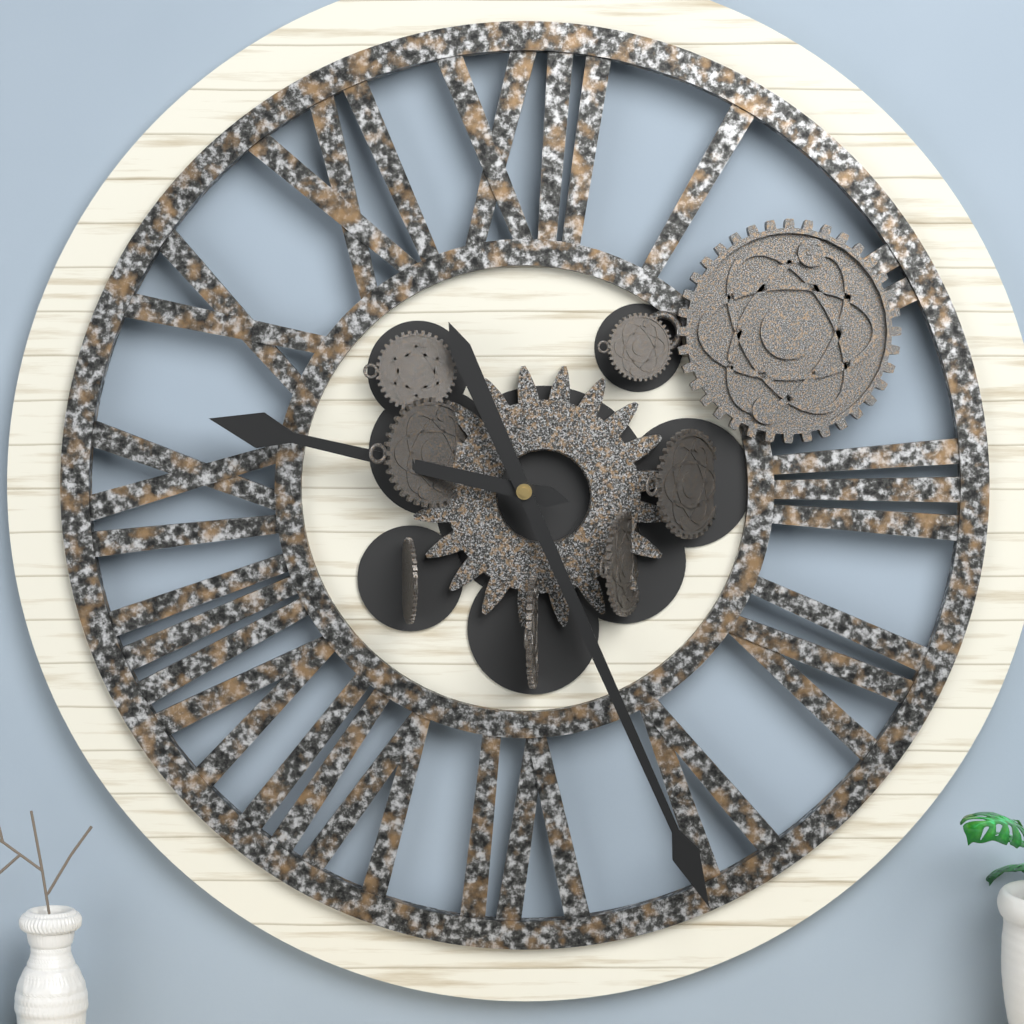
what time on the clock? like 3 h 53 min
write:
9 h 26 min
